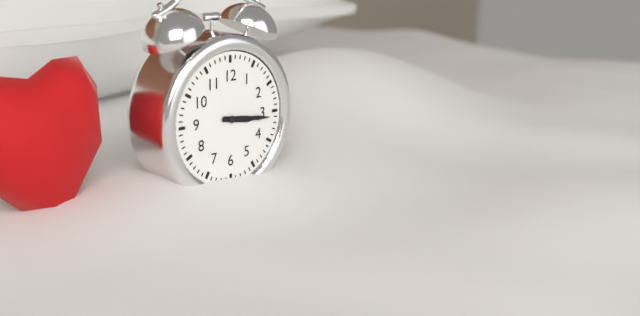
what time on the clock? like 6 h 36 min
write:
3 h 16 min
